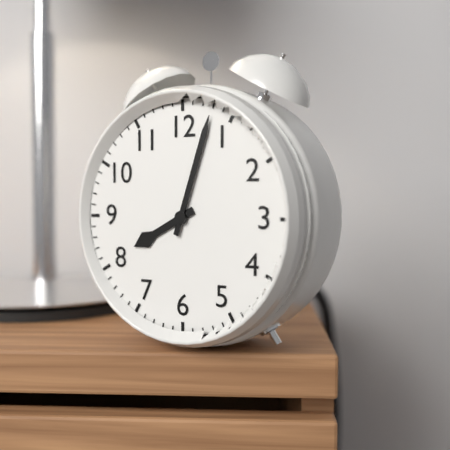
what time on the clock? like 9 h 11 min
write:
8 h 03 min
